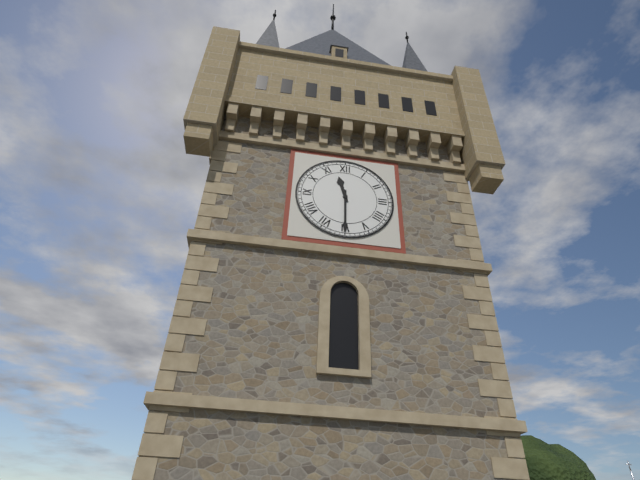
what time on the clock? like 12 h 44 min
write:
11 h 30 min
